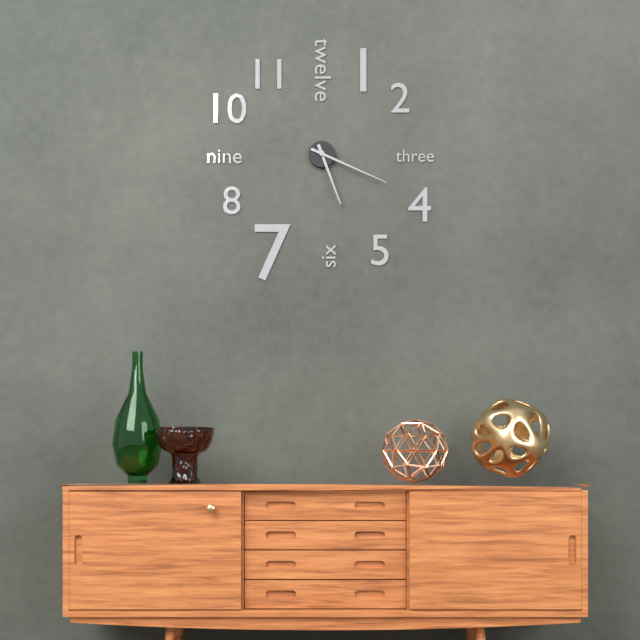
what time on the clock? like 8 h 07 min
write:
5 h 19 min
